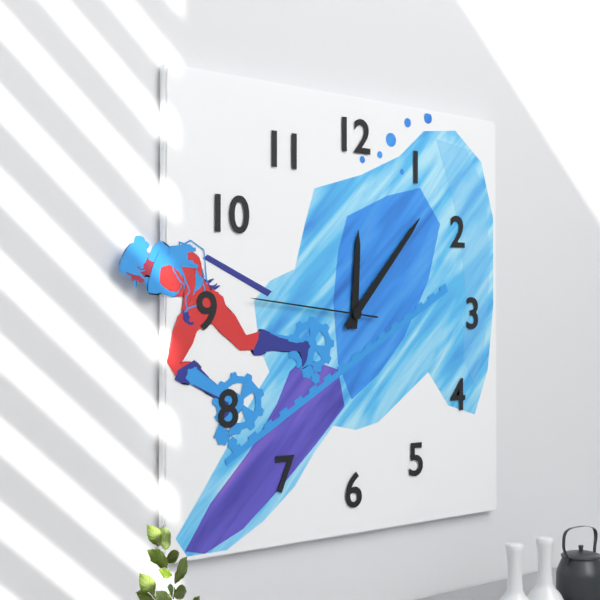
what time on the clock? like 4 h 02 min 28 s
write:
12 h 07 min 46 s
